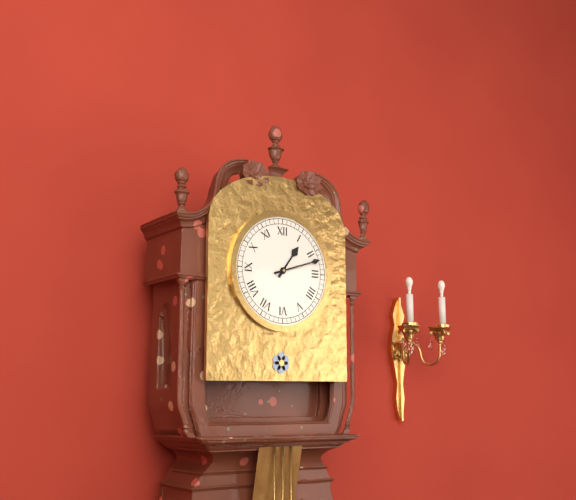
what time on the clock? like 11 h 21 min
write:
1 h 12 min
